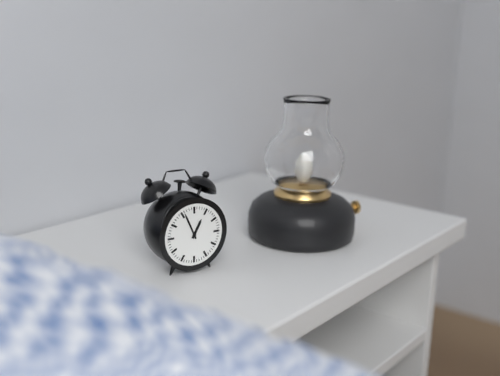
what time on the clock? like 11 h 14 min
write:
12 h 56 min
